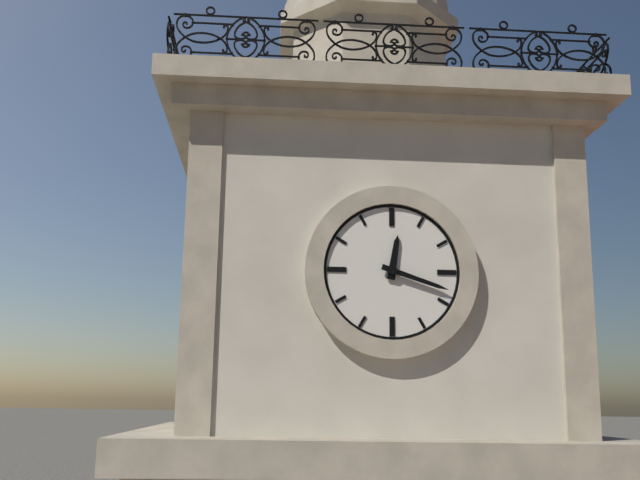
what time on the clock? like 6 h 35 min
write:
12 h 18 min
